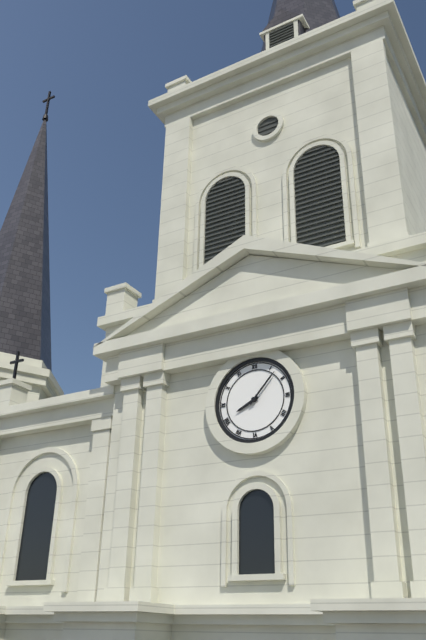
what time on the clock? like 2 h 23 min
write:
8 h 07 min
